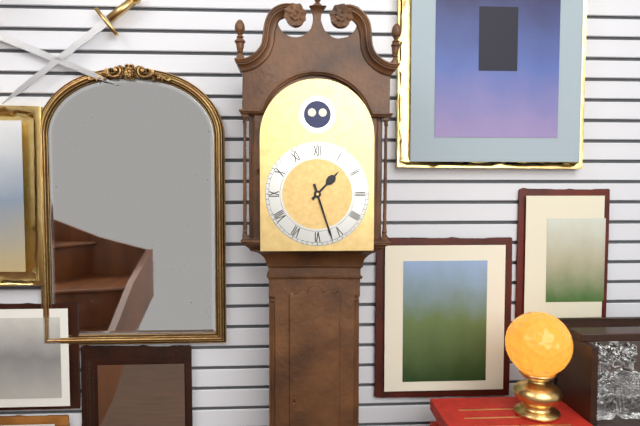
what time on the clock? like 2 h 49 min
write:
1 h 27 min
